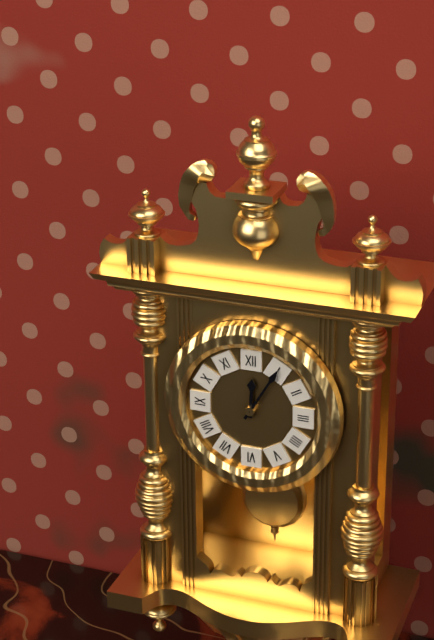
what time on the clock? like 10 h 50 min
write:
12 h 05 min
